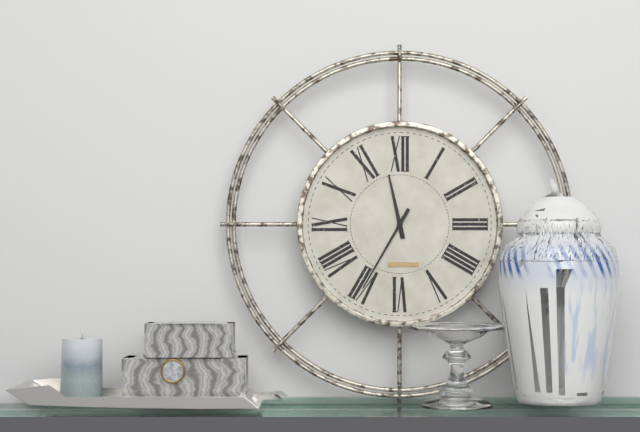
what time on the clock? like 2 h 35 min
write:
11 h 35 min
